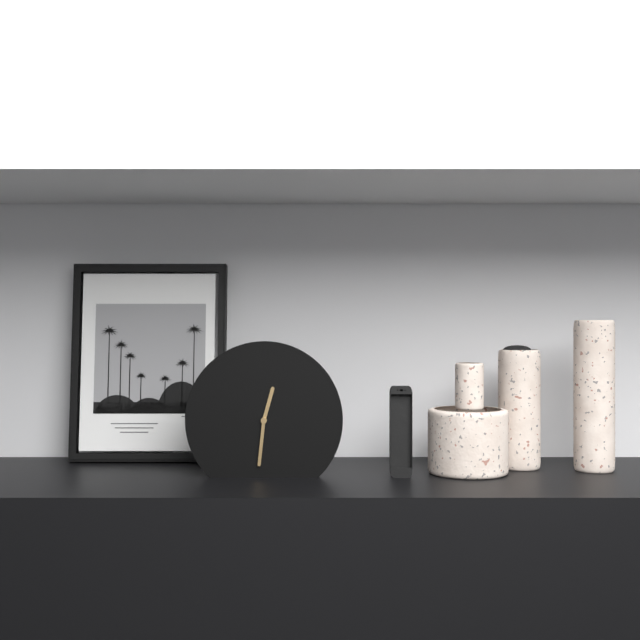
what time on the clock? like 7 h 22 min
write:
12 h 31 min
